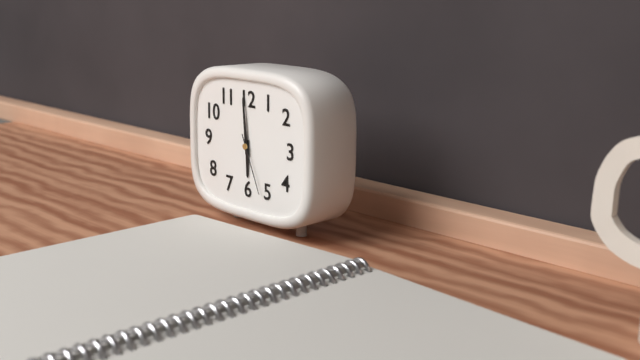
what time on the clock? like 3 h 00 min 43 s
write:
5 h 59 min 26 s
